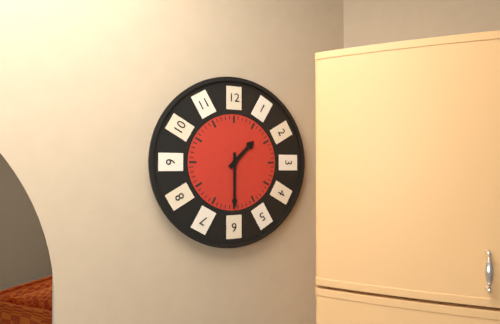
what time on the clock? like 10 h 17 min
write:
1 h 30 min
